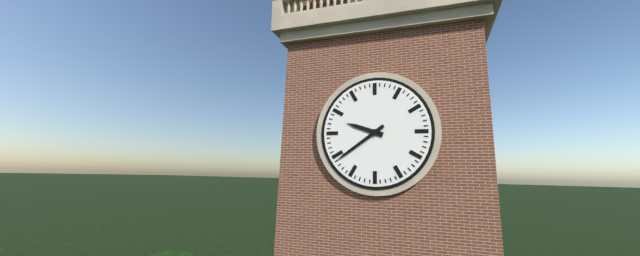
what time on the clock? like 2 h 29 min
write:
9 h 39 min
